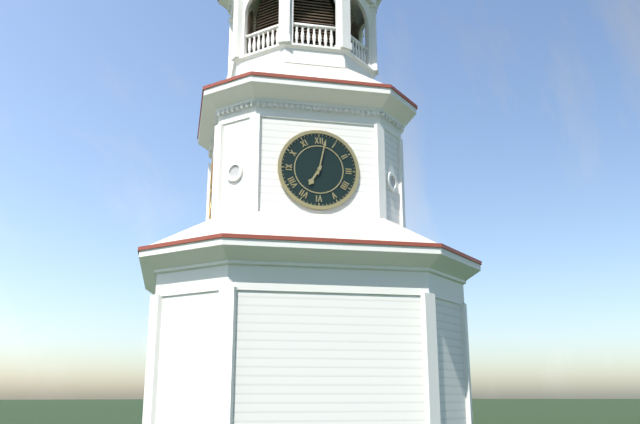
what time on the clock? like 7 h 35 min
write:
7 h 02 min
